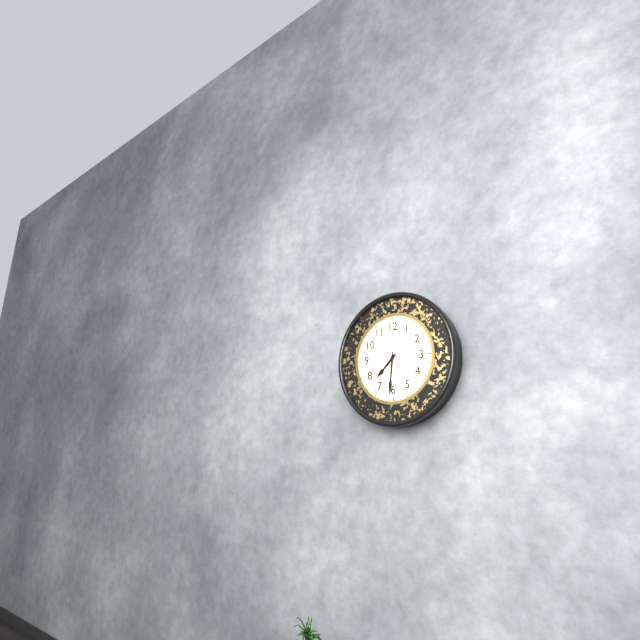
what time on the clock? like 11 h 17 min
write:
7 h 31 min
